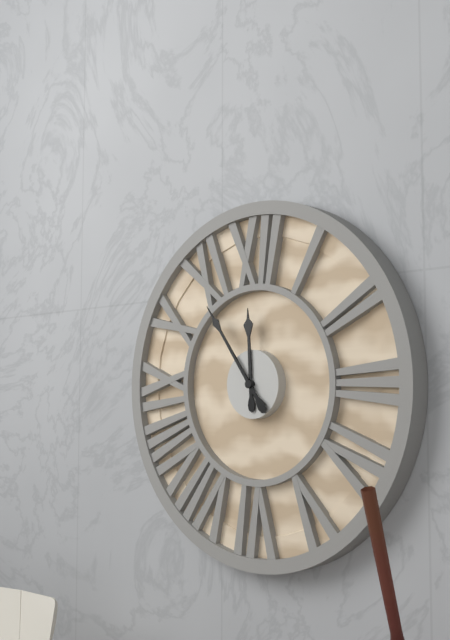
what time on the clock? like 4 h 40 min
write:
11 h 54 min
